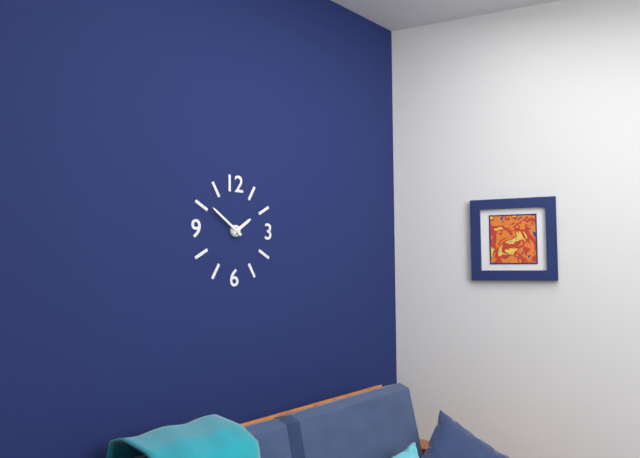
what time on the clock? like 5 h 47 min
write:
1 h 51 min
